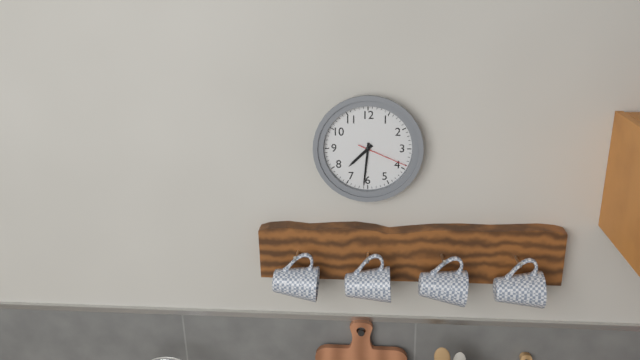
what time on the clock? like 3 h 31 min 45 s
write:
7 h 31 min 19 s
